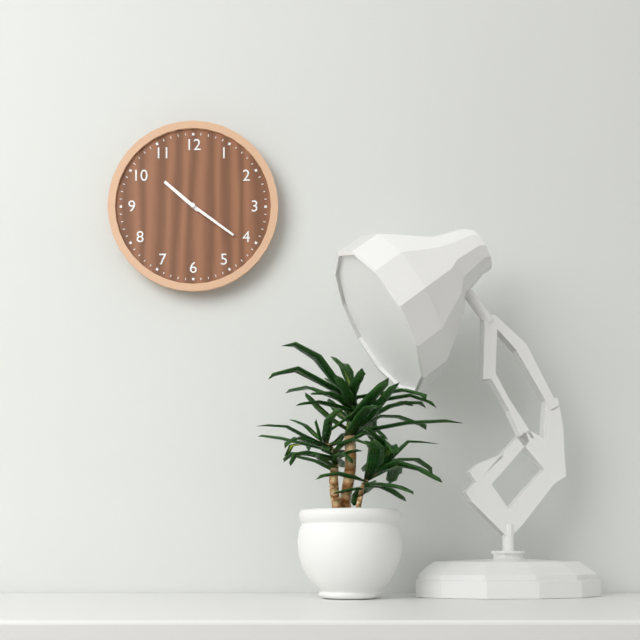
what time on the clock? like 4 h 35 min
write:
10 h 21 min
